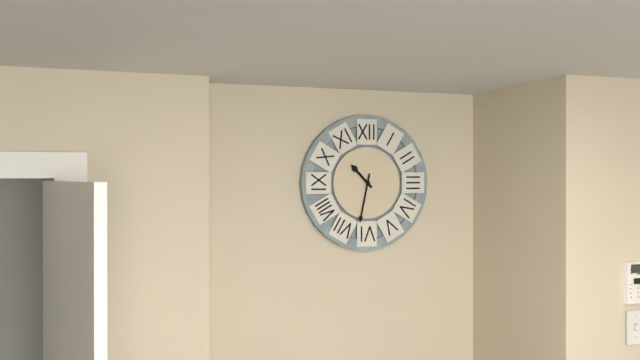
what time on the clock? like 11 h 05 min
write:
10 h 32 min
